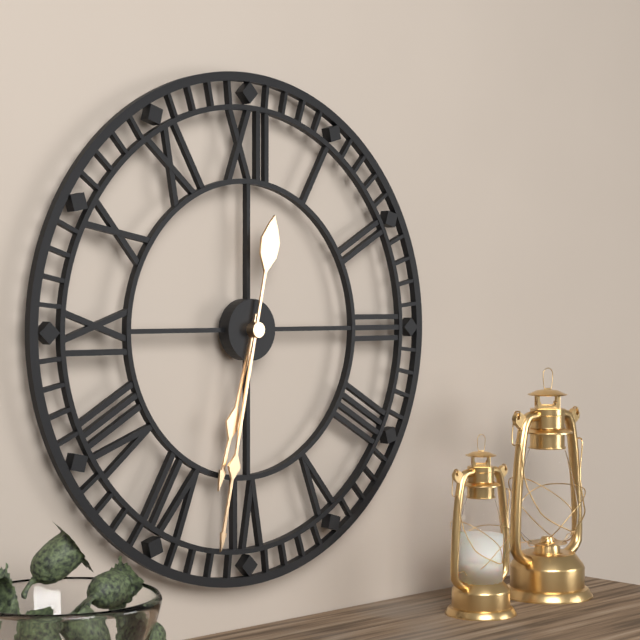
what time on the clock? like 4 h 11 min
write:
6 h 32 min
